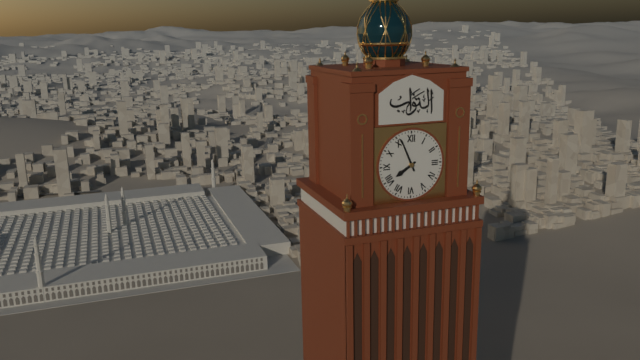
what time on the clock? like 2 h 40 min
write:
7 h 56 min
